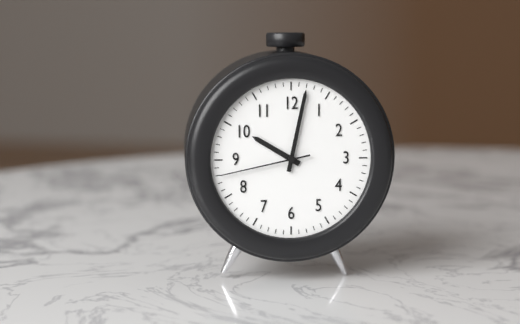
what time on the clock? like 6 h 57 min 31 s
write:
10 h 02 min 43 s
